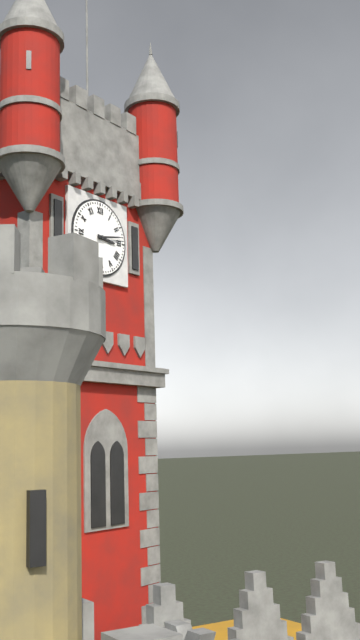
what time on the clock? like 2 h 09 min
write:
3 h 13 min
